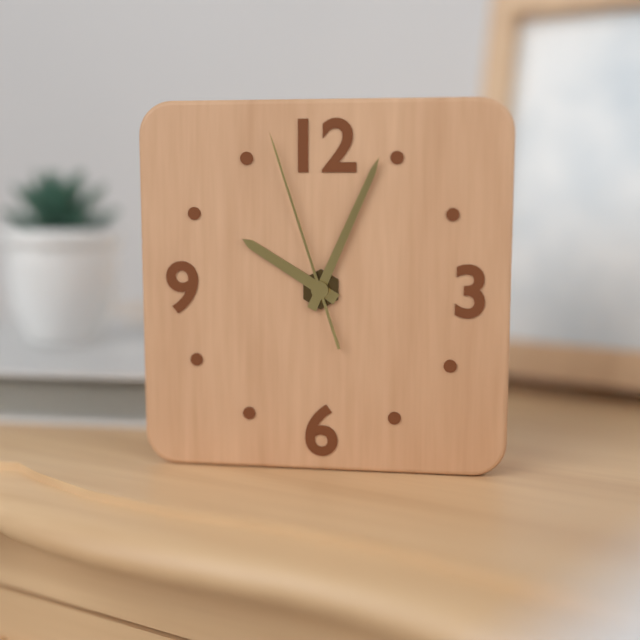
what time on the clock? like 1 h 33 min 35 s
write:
10 h 04 min 57 s
